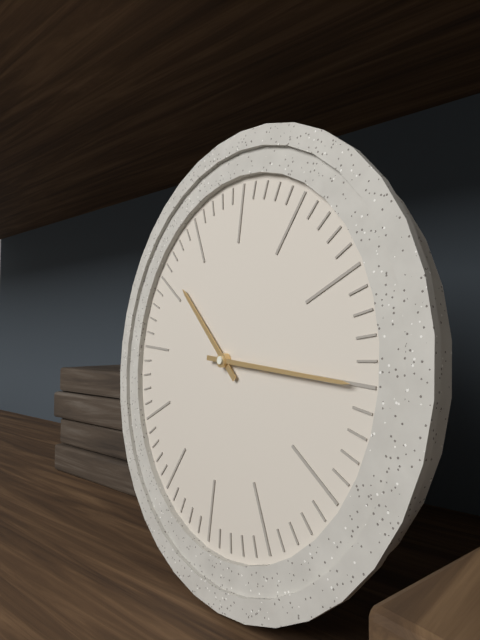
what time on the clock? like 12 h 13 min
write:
10 h 15 min
